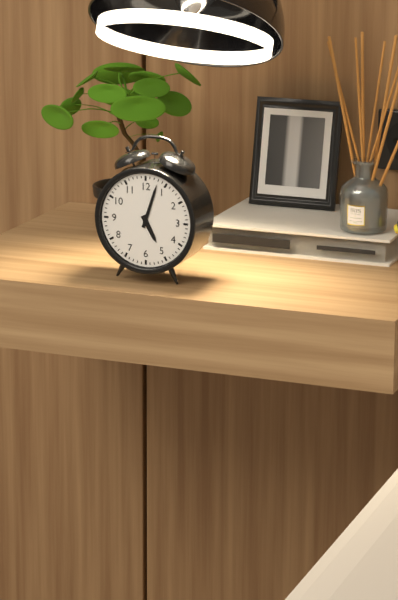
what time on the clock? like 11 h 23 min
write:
5 h 03 min
